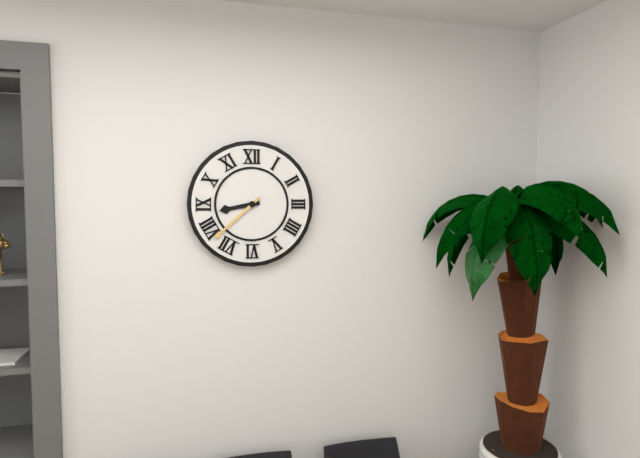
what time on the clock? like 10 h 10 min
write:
8 h 38 min
